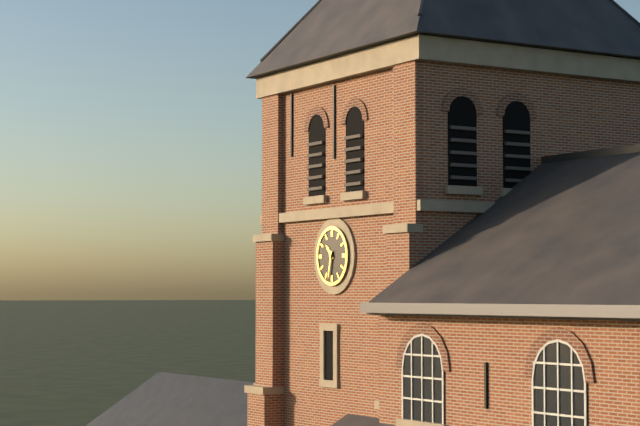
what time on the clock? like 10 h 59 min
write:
10 h 32 min
